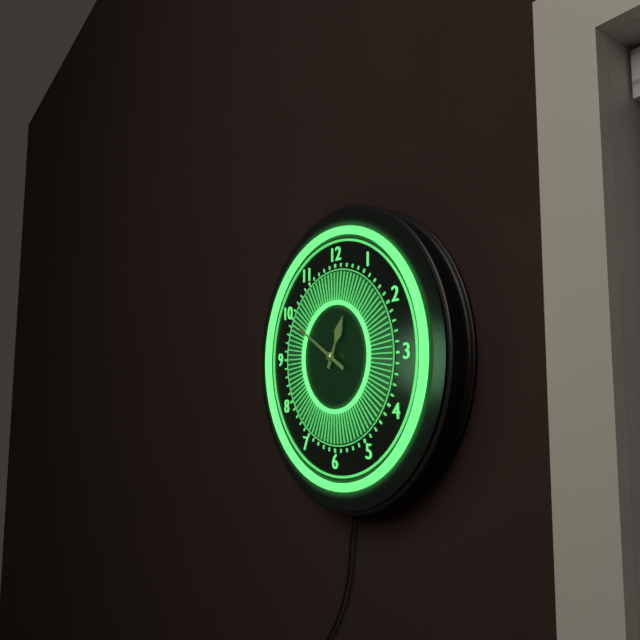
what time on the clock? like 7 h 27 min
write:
12 h 50 min
